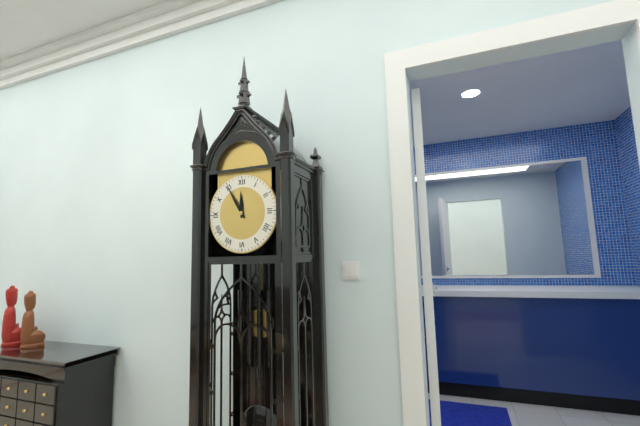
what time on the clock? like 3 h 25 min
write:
11 h 55 min
